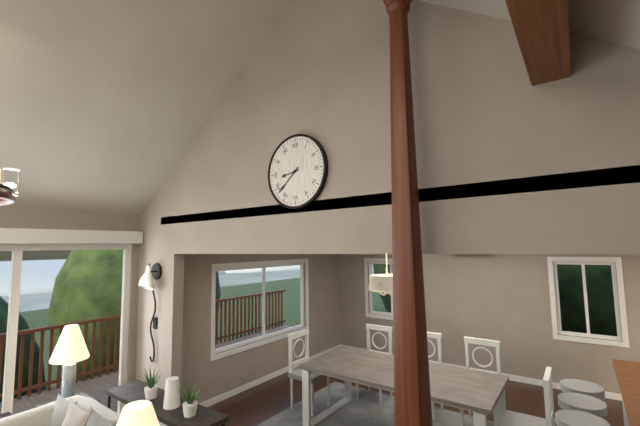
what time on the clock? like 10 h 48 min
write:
8 h 38 min
